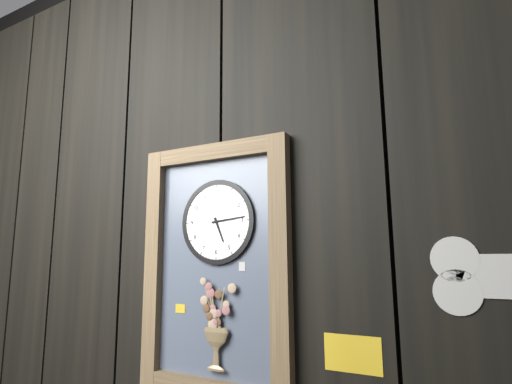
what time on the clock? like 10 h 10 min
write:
5 h 14 min
